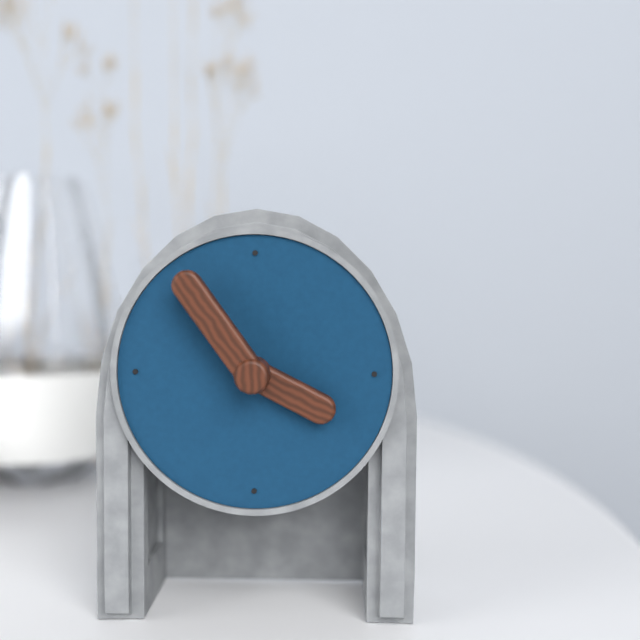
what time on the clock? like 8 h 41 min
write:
3 h 54 min
